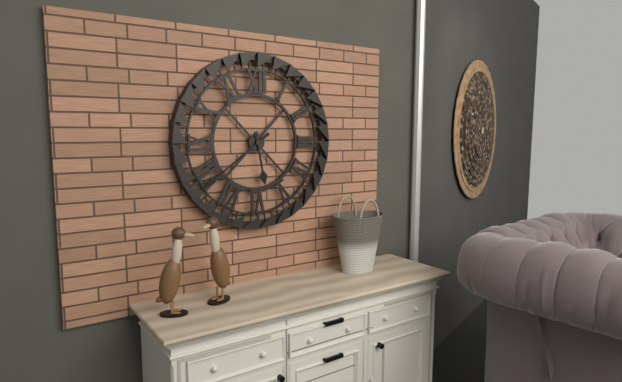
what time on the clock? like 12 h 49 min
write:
5 h 39 min
